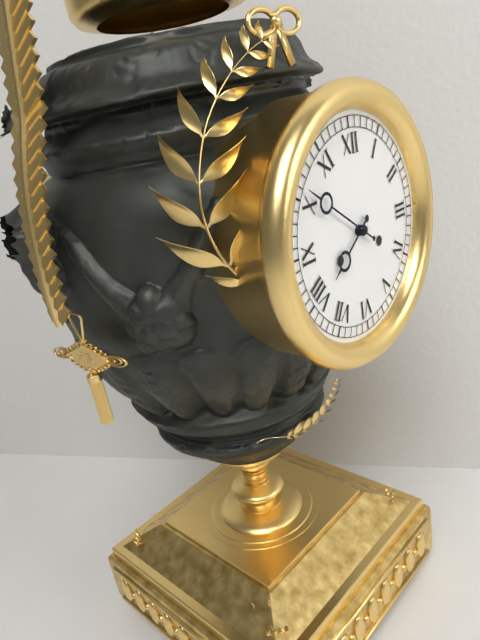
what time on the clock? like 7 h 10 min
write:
7 h 51 min
